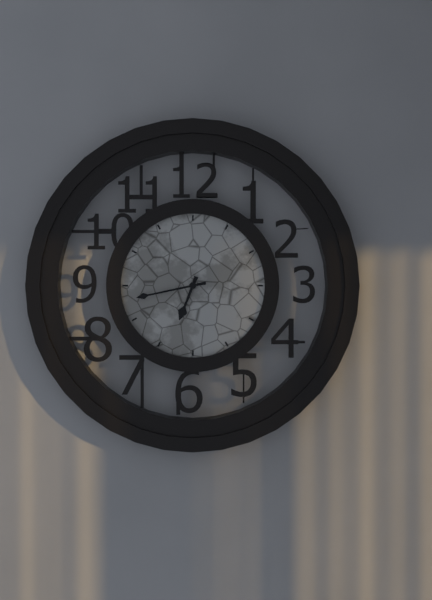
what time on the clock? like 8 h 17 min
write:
6 h 43 min
